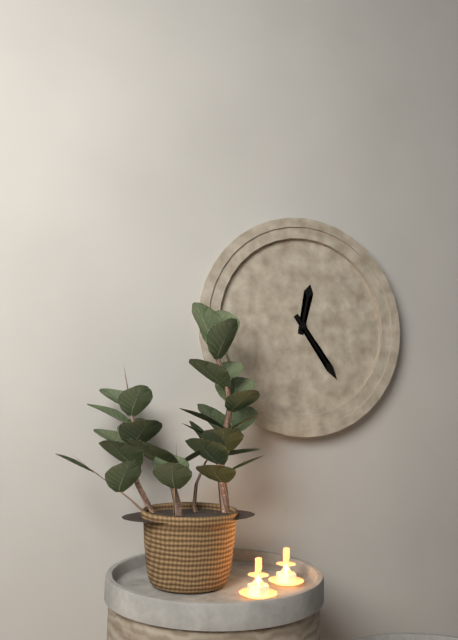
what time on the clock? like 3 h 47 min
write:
12 h 24 min
